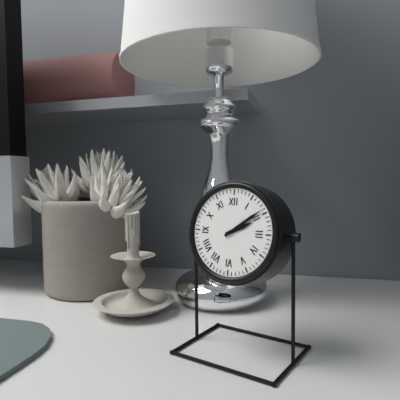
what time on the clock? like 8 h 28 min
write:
2 h 09 min
